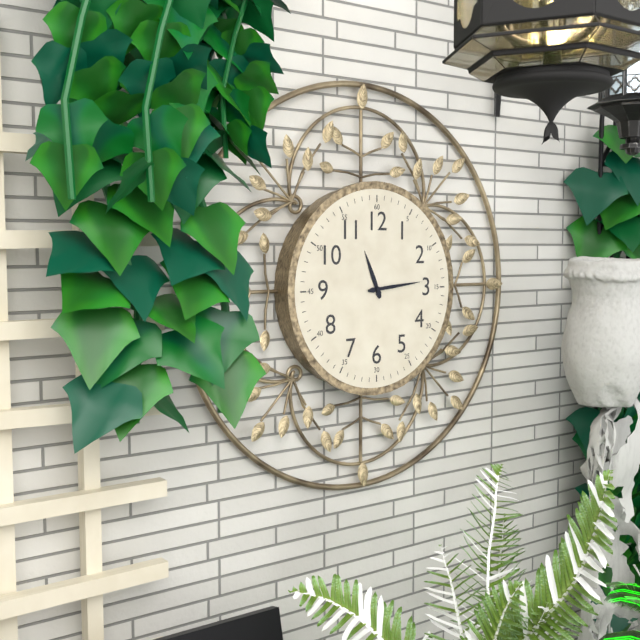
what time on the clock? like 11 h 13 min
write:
11 h 14 min
